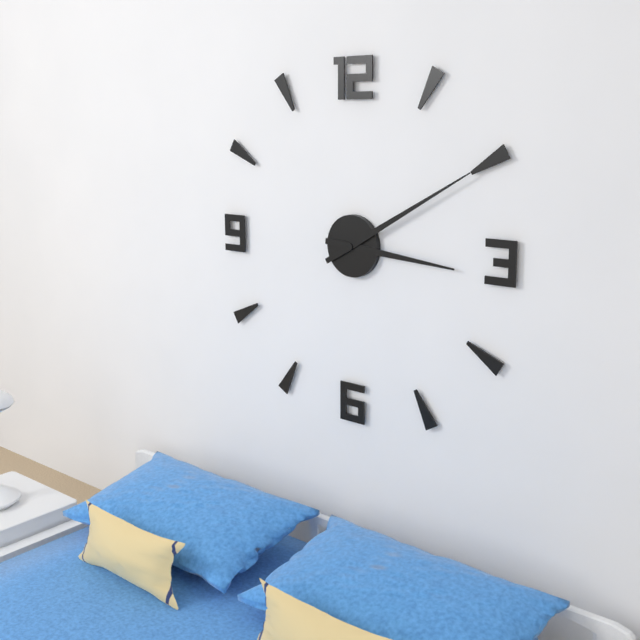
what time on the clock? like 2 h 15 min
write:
3 h 10 min
